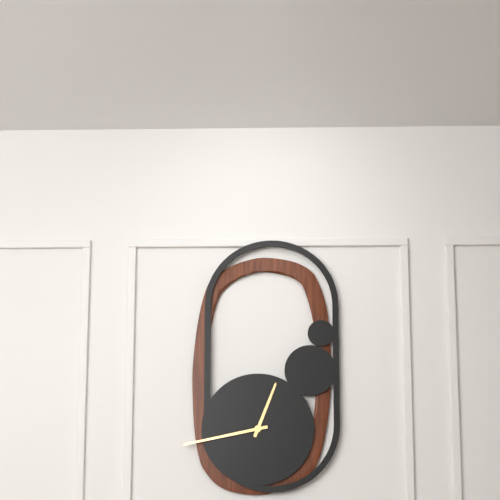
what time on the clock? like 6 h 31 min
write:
12 h 43 min
